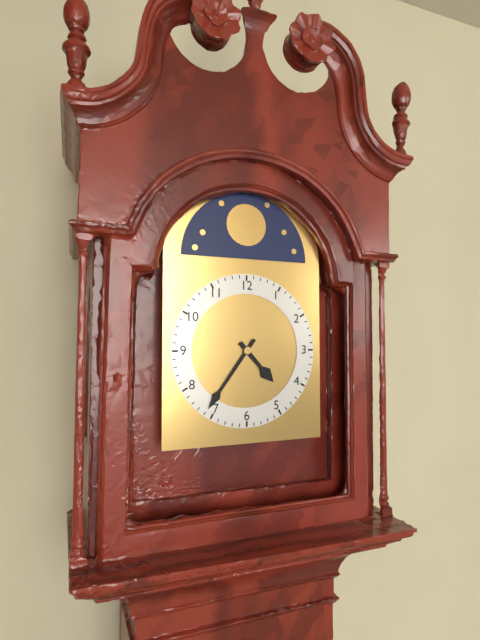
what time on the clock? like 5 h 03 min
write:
4 h 36 min
